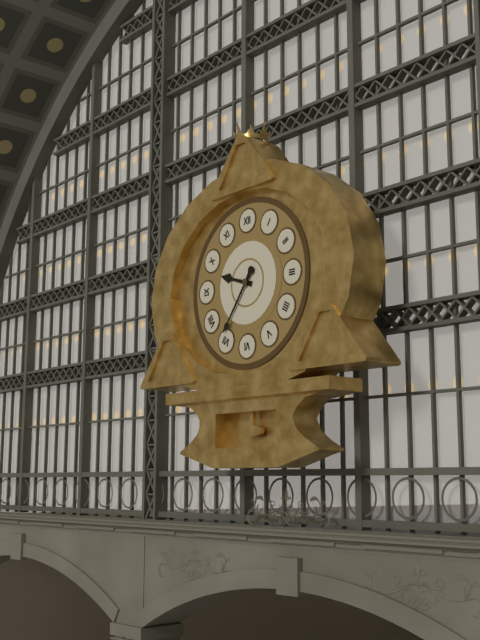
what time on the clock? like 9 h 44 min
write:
9 h 36 min
